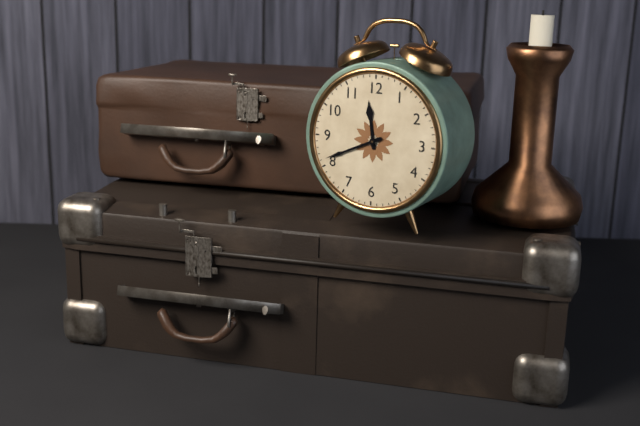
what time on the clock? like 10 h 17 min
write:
11 h 41 min
